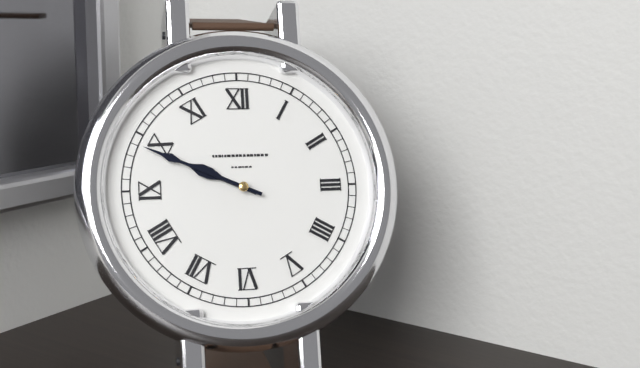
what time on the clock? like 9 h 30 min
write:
9 h 49 min
